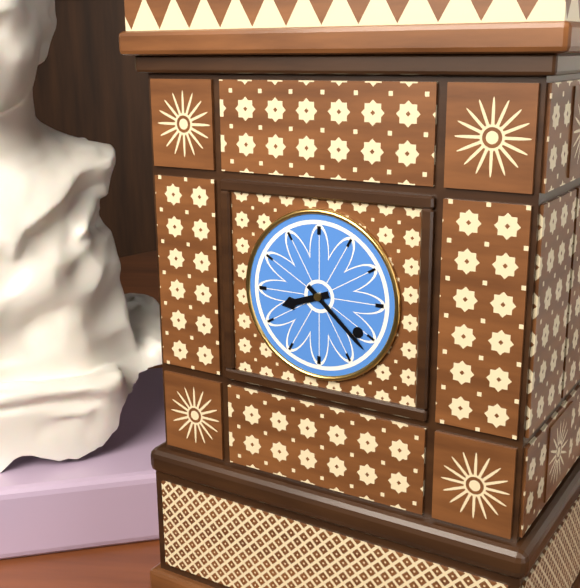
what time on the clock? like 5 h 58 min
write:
8 h 22 min
